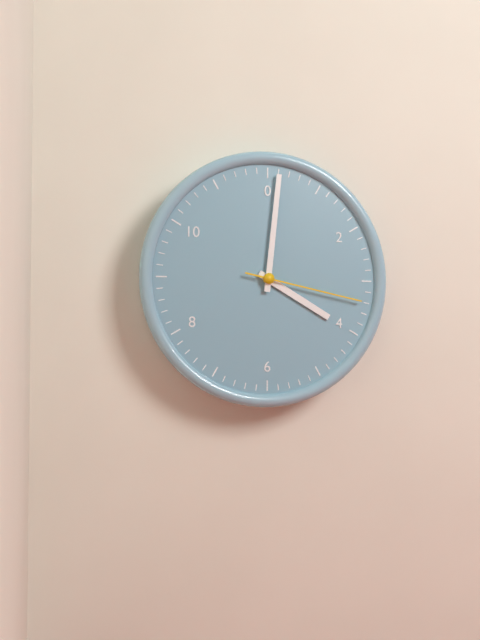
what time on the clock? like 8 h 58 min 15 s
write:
4 h 01 min 17 s
